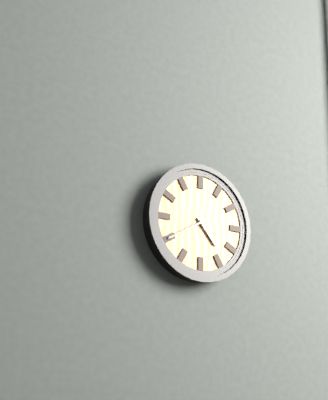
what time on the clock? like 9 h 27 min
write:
4 h 40 min
